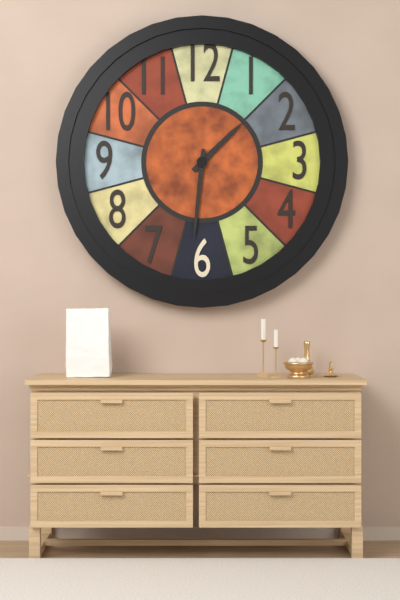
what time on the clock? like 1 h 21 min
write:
1 h 31 min
